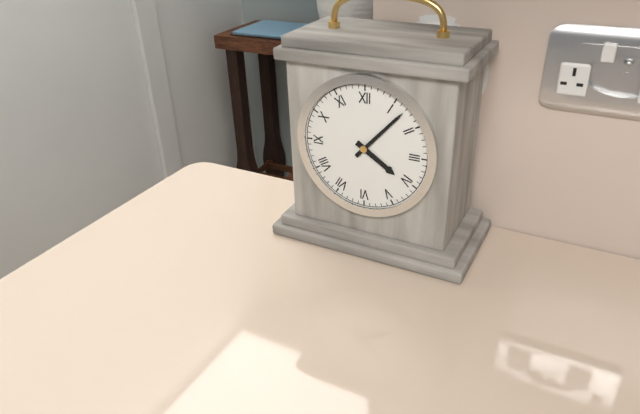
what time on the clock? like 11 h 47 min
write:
4 h 07 min
